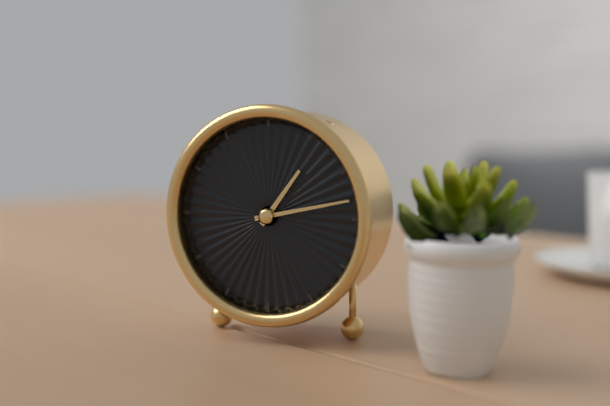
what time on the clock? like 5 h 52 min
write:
1 h 13 min
